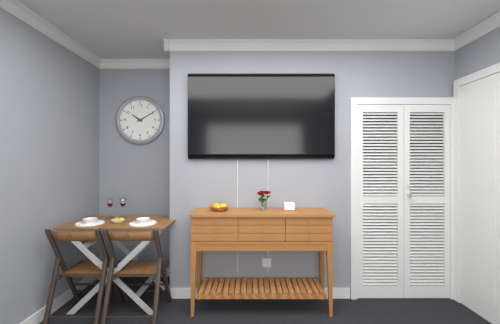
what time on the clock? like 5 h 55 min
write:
10 h 10 min
